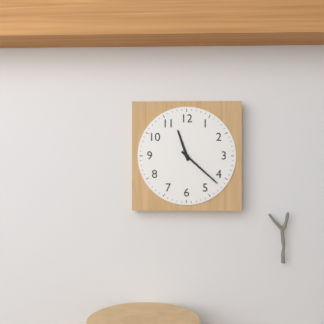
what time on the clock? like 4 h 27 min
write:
11 h 22 min
